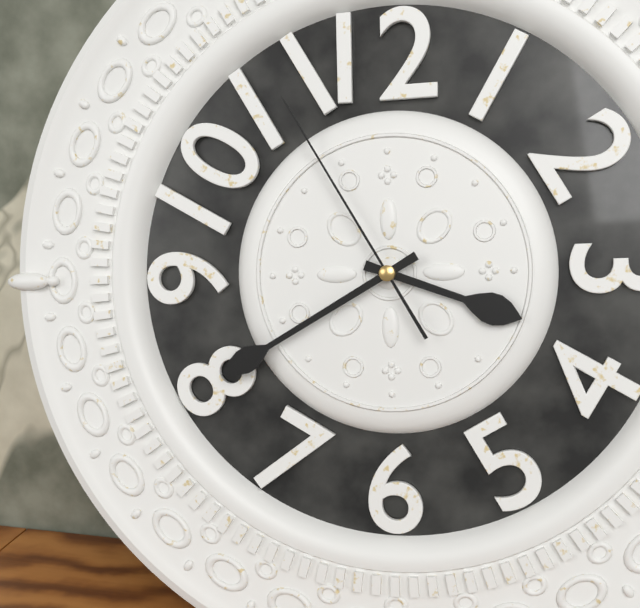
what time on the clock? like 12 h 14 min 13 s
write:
3 h 40 min 55 s
